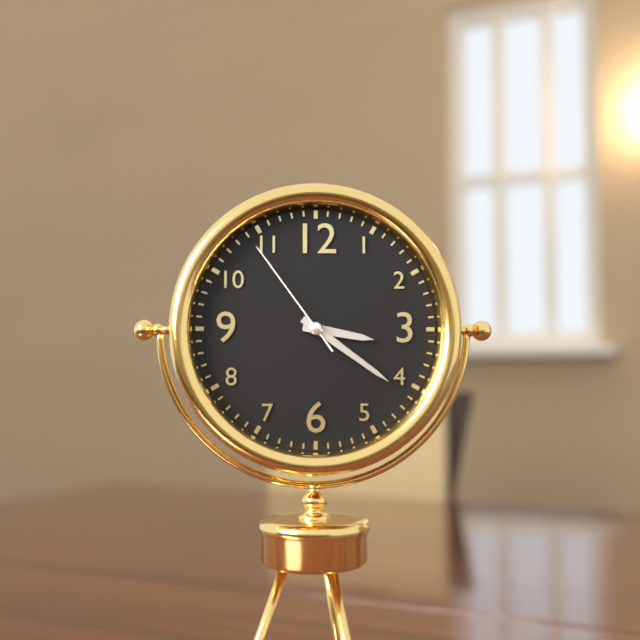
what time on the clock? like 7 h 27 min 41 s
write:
3 h 21 min 54 s
